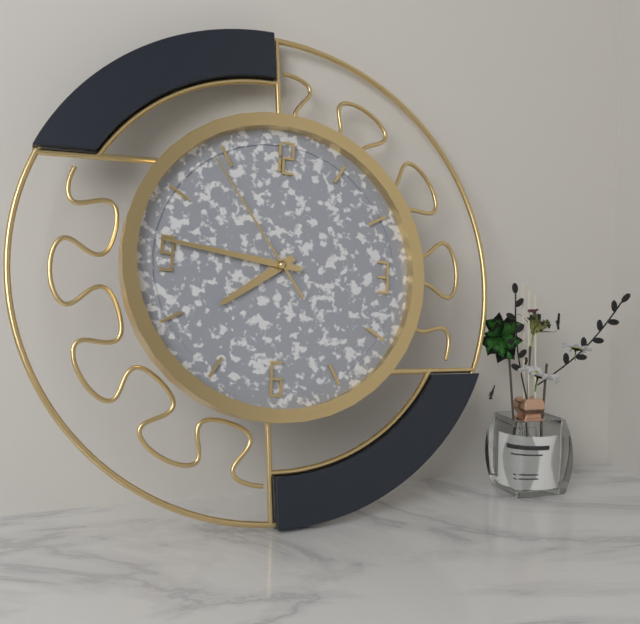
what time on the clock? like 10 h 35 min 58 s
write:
7 h 46 min 54 s
